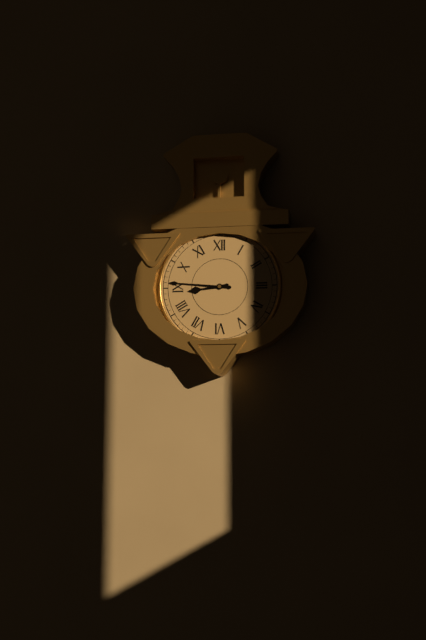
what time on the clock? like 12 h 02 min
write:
8 h 46 min
